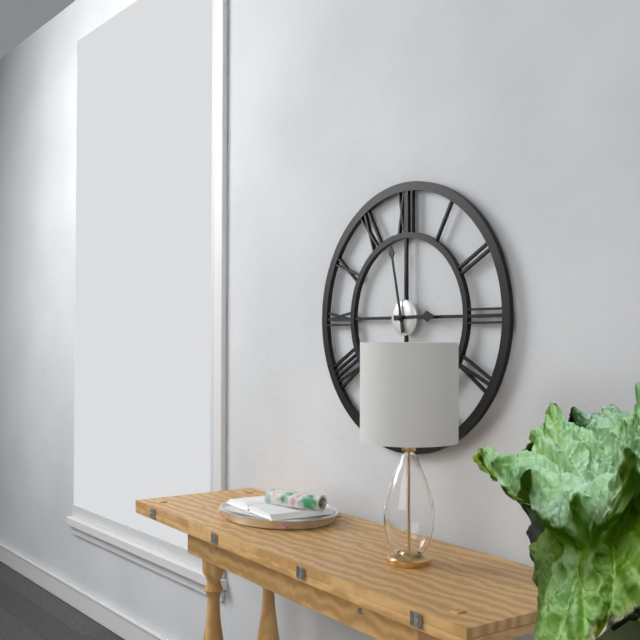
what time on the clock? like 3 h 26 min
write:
2 h 58 min
